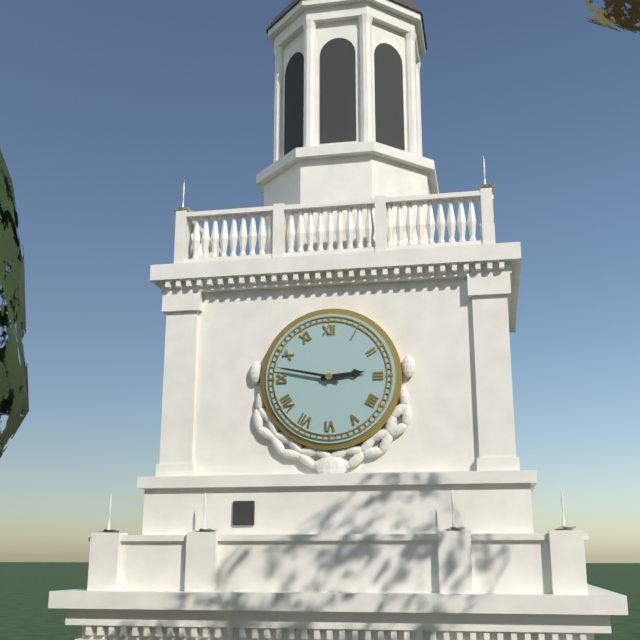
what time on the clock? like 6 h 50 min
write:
2 h 47 min
